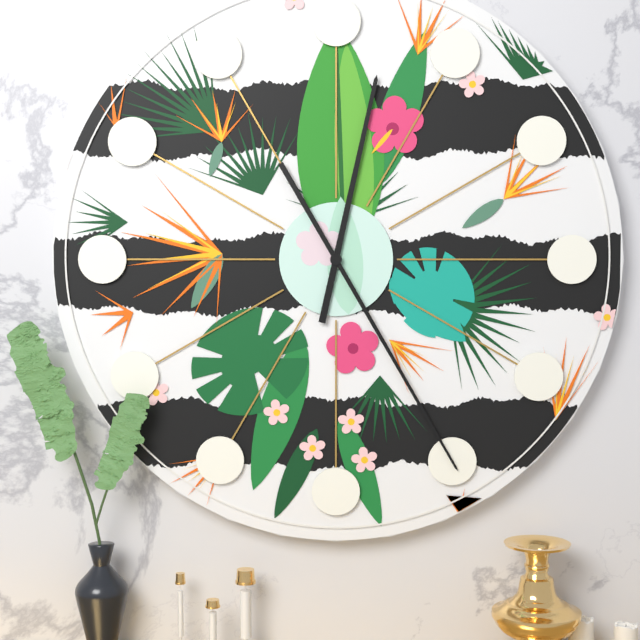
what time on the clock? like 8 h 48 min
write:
12 h 25 min
